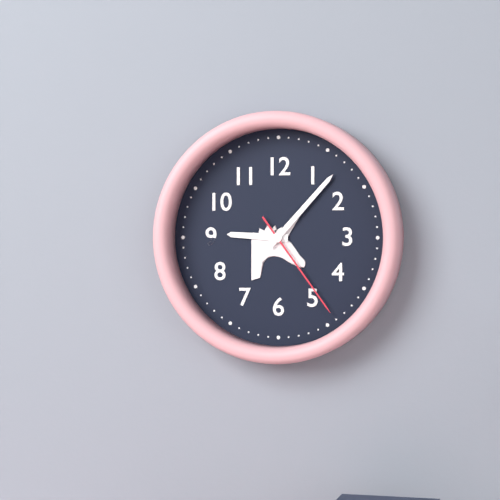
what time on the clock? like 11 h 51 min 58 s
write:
9 h 07 min 24 s
